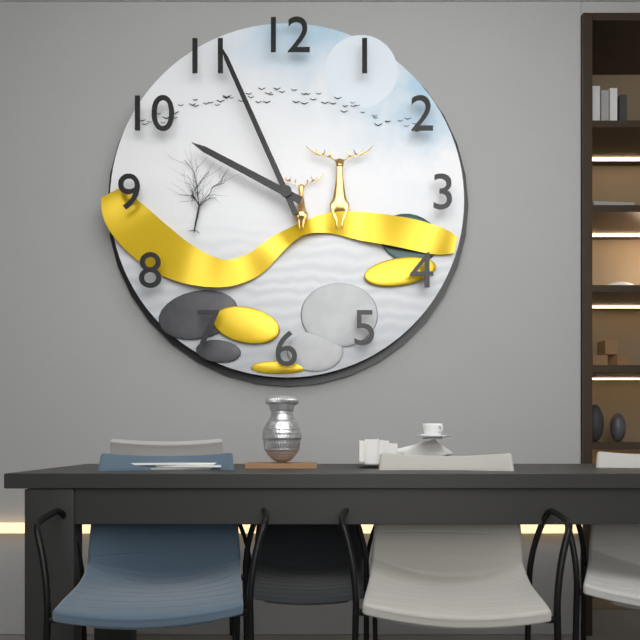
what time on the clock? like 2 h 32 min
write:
9 h 56 min
